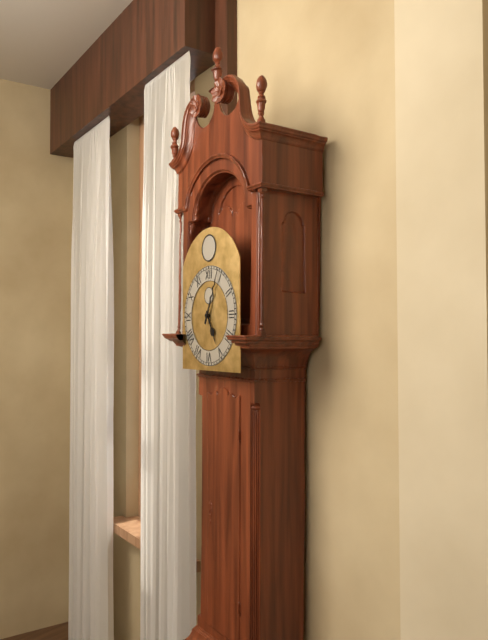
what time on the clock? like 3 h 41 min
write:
5 h 04 min
